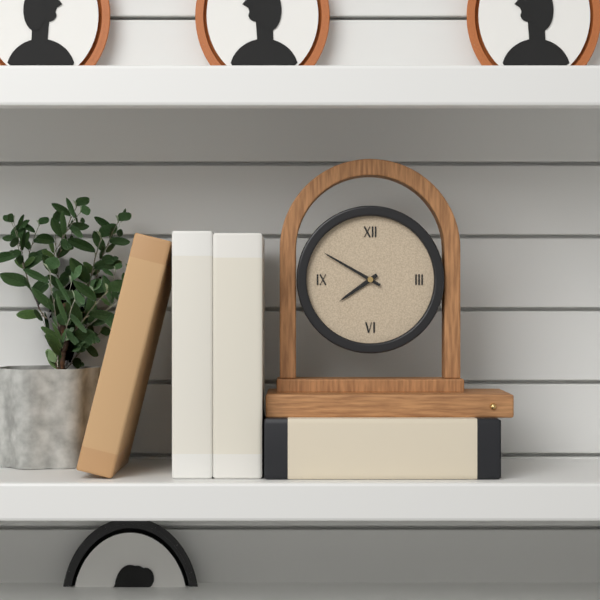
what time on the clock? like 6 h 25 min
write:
7 h 50 min
